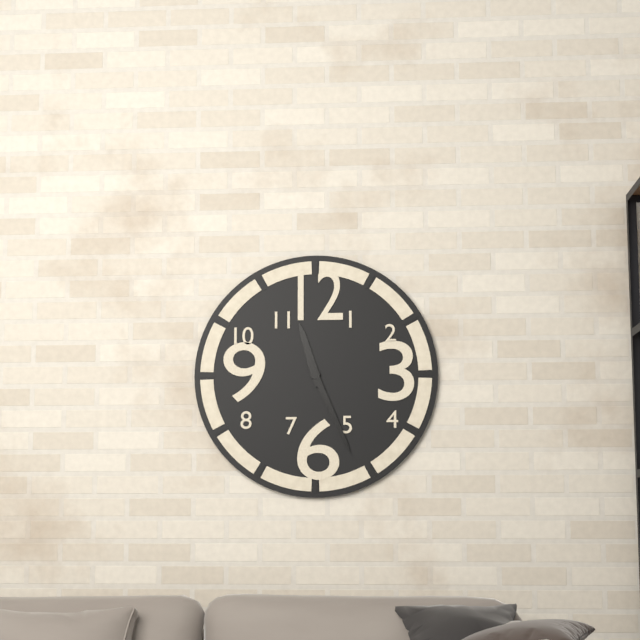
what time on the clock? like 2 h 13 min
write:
11 h 26 min
